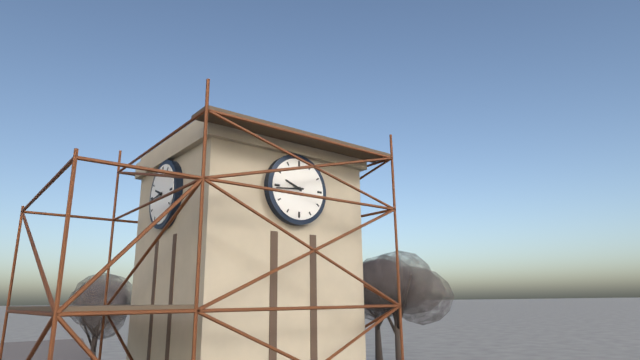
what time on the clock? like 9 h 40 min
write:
9 h 44 min
